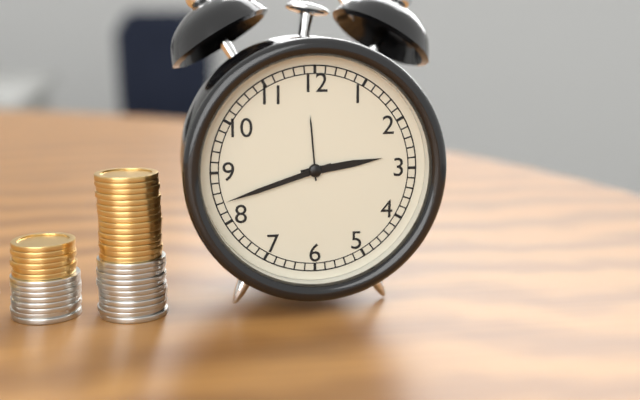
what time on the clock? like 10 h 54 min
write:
2 h 42 min
